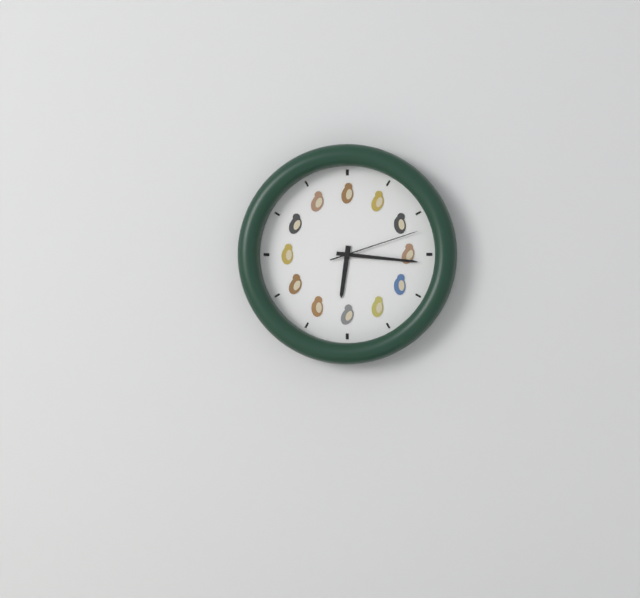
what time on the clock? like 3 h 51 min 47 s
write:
6 h 16 min 12 s
